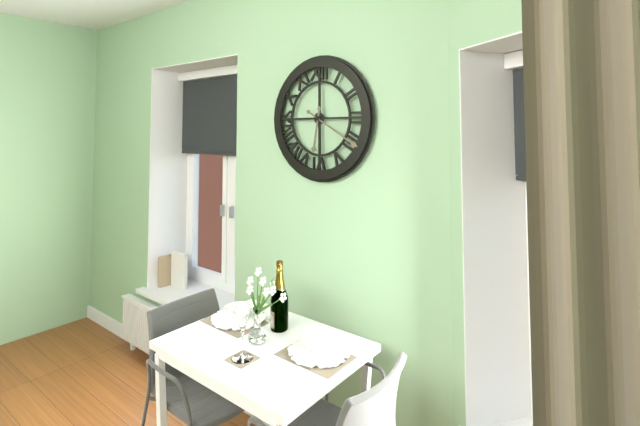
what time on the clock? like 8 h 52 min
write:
6 h 20 min
